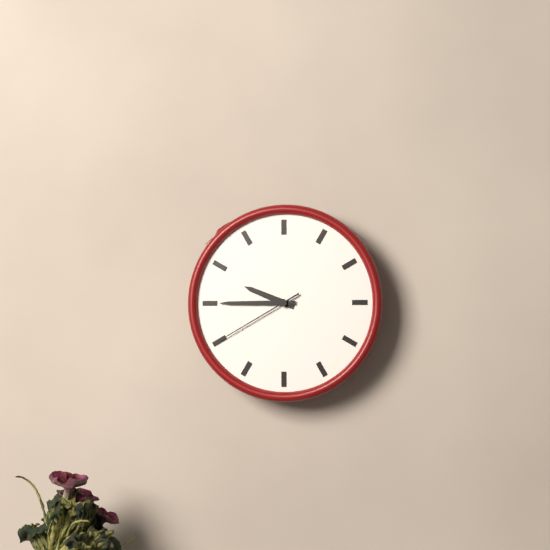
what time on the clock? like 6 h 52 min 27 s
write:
9 h 45 min 40 s
